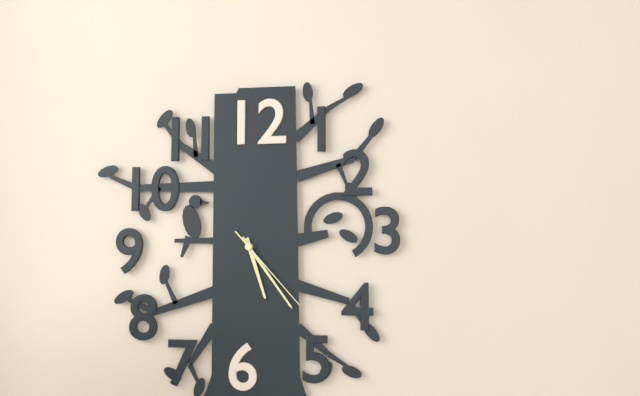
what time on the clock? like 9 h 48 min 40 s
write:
5 h 24 min 23 s
